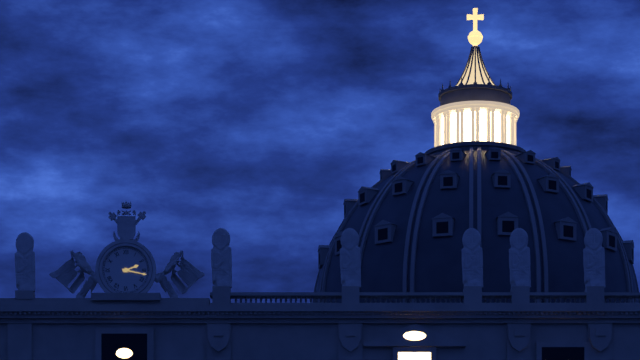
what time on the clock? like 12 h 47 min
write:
2 h 17 min
